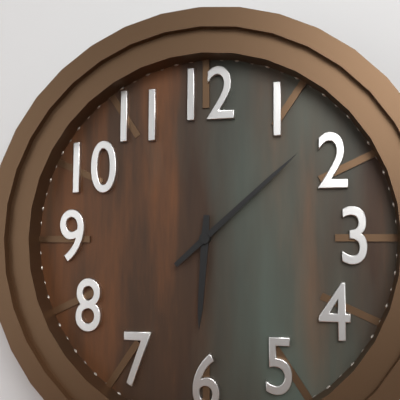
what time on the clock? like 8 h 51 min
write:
6 h 08 min
